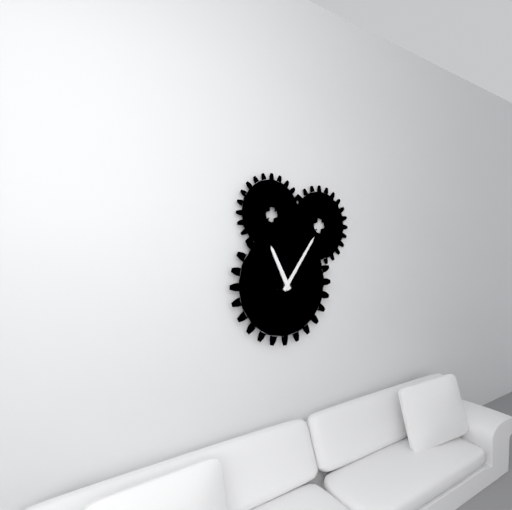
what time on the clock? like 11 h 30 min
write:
11 h 06 min
